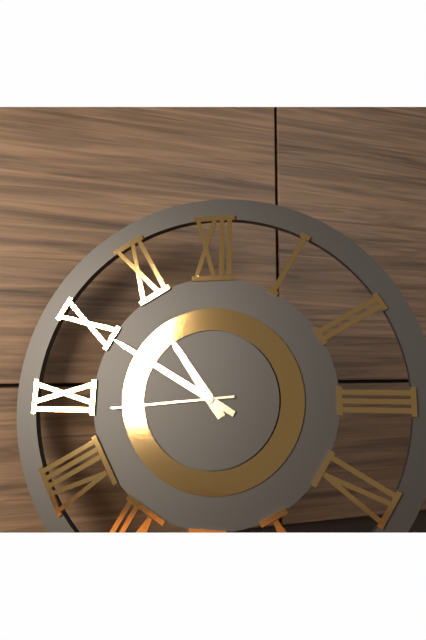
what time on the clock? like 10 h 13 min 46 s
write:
10 h 50 min 44 s
